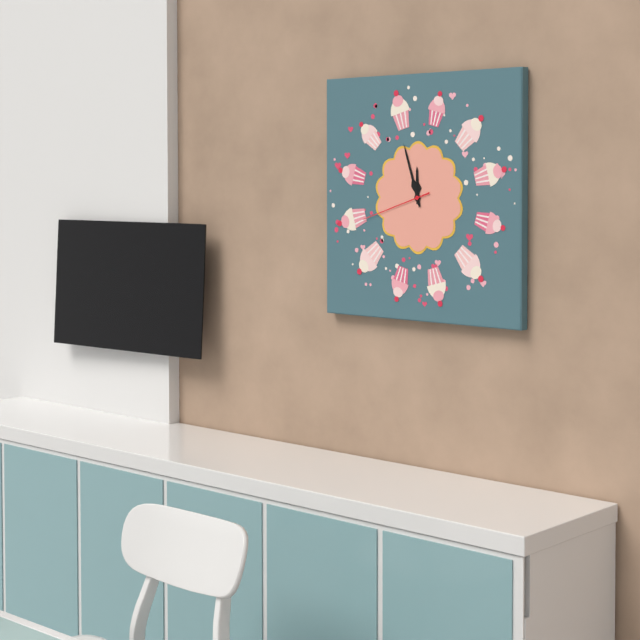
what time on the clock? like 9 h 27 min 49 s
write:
11 h 57 min 42 s
